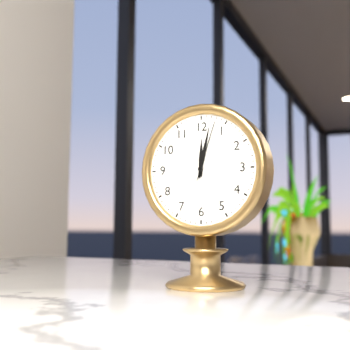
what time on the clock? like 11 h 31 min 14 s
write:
12 h 02 min 03 s
